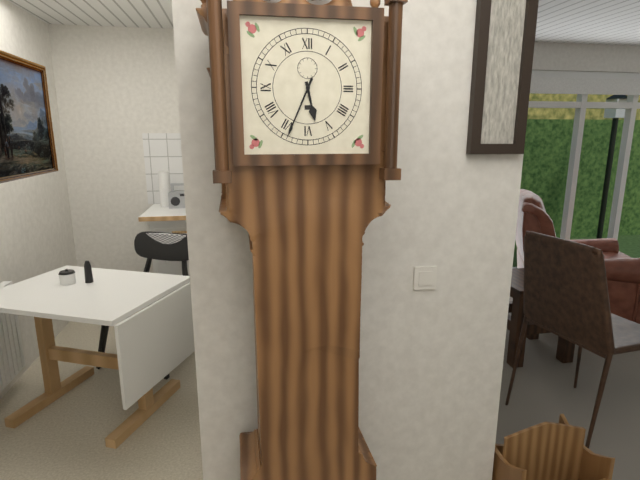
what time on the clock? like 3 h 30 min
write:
5 h 34 min
